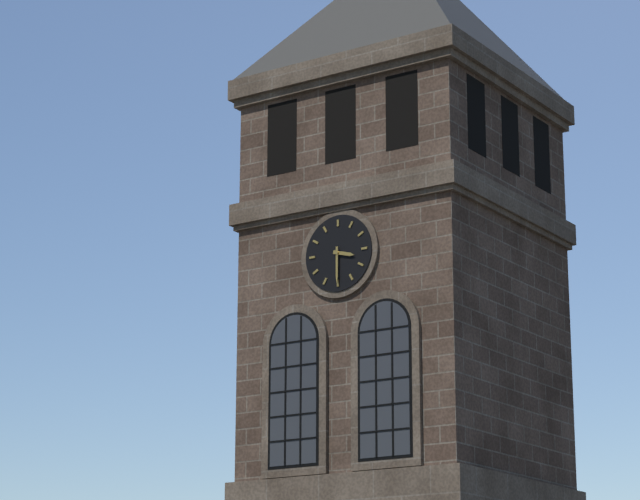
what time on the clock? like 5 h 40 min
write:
3 h 30 min
